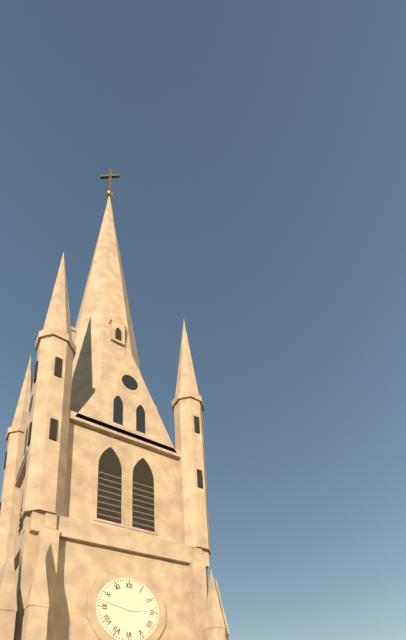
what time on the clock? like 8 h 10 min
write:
2 h 47 min
